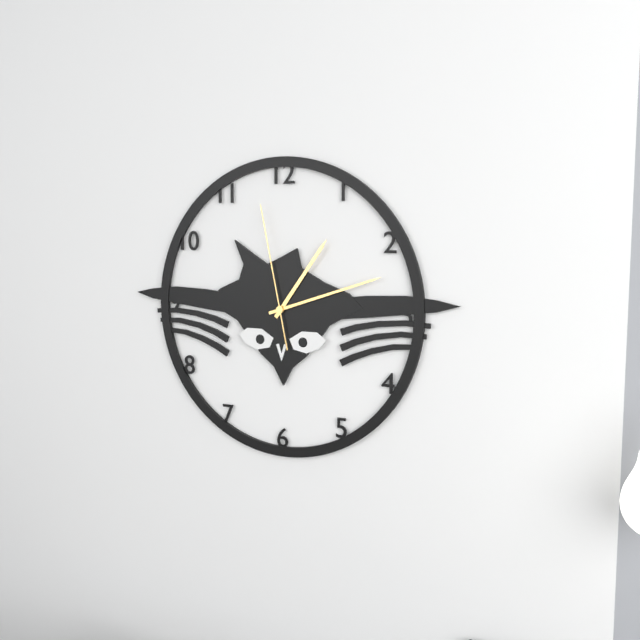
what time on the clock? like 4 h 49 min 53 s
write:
1 h 12 min 58 s
